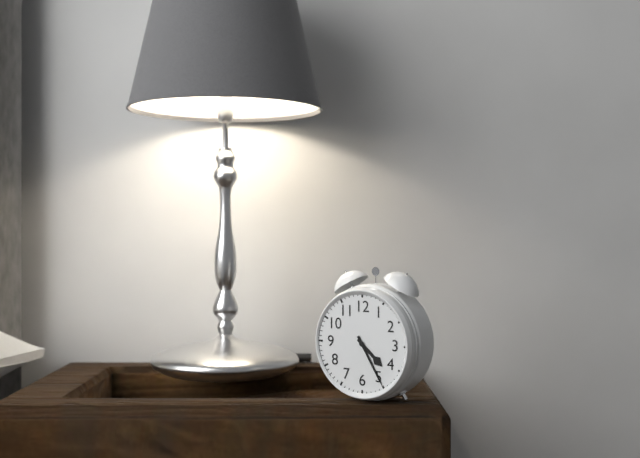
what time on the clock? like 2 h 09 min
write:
4 h 25 min
